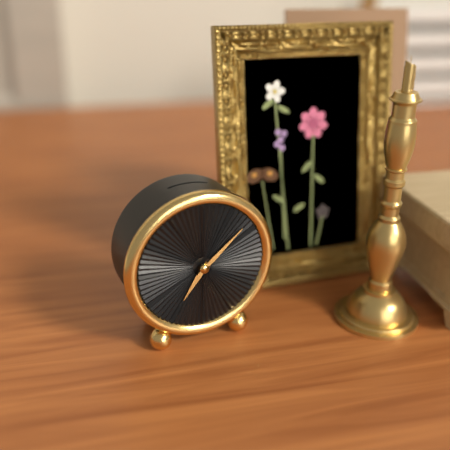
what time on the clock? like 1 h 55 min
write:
7 h 08 min
